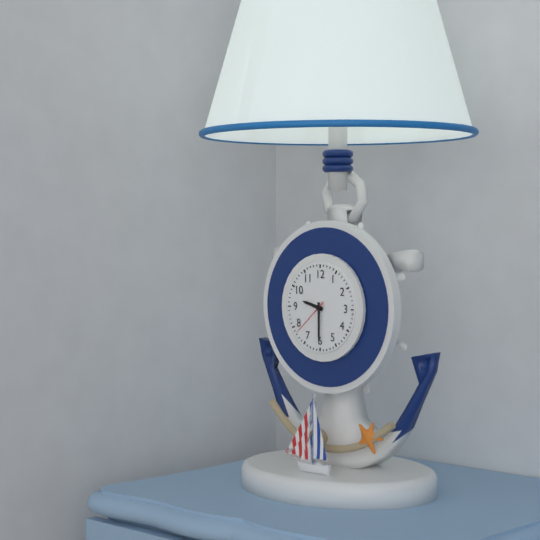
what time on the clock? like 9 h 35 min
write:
9 h 30 min
